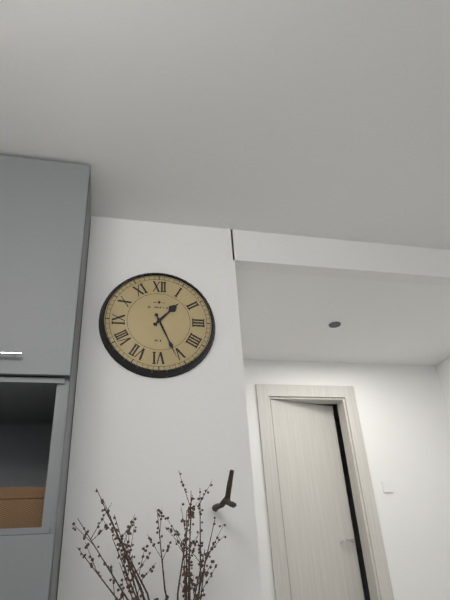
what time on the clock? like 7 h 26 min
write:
1 h 26 min
